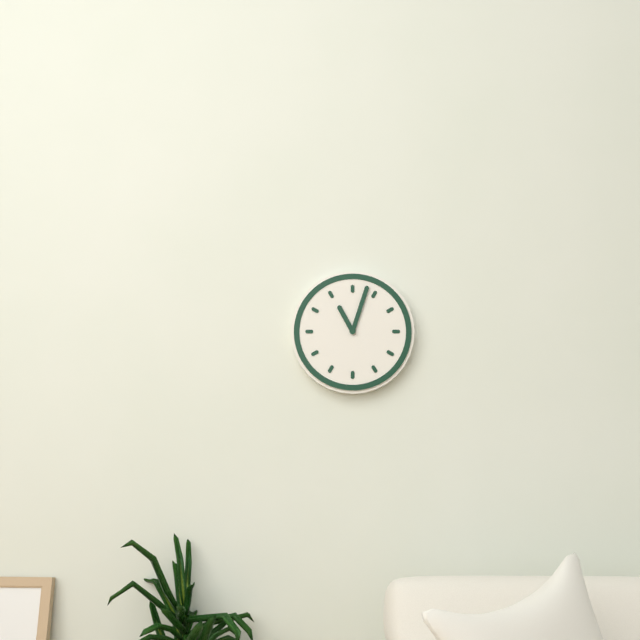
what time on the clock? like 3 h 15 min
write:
11 h 03 min
